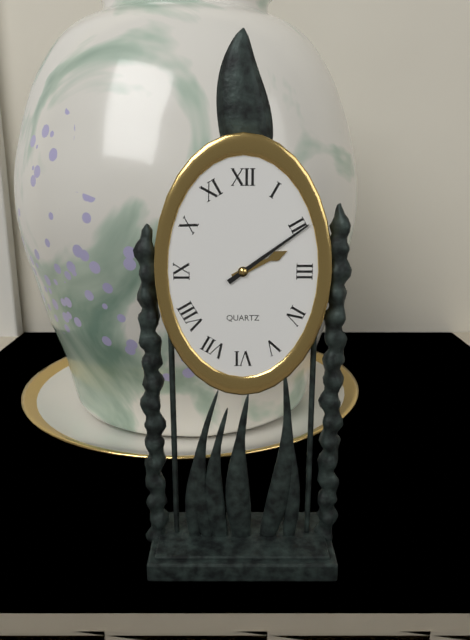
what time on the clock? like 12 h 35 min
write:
2 h 09 min
